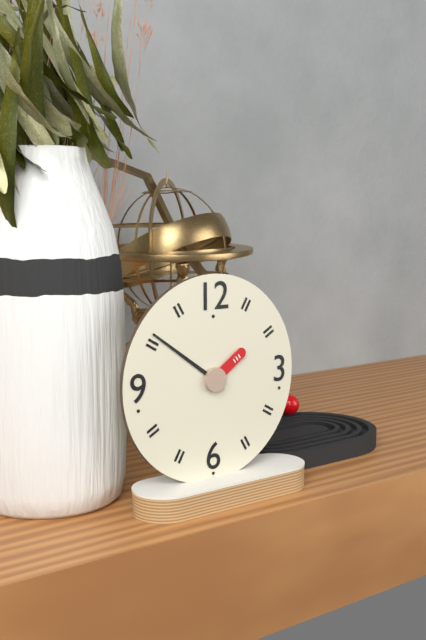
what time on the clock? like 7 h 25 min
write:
1 h 51 min
